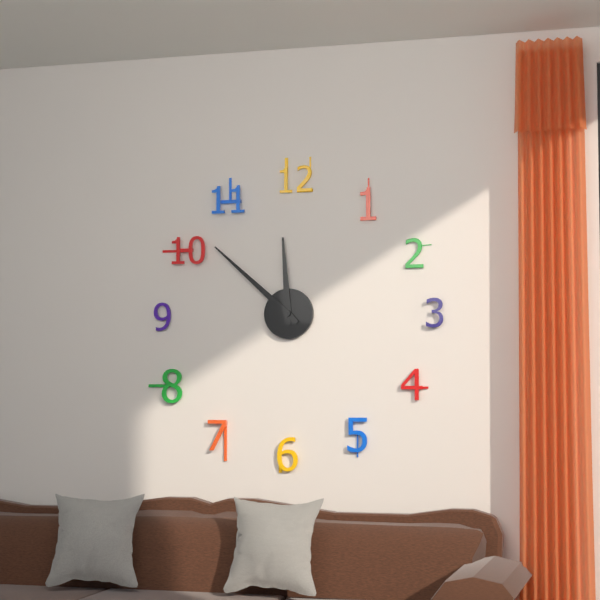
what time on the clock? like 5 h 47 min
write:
11 h 52 min
